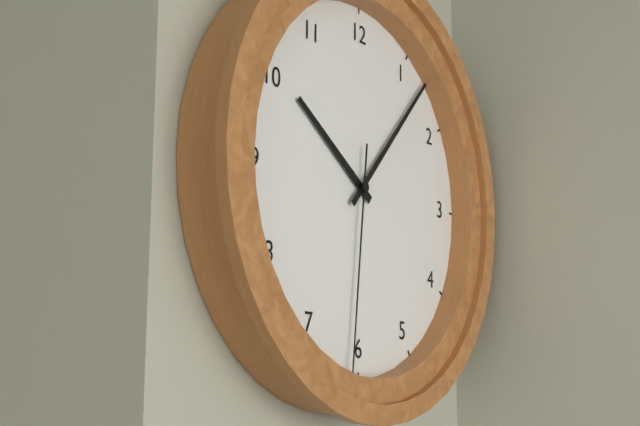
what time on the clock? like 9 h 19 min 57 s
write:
10 h 07 min 31 s
